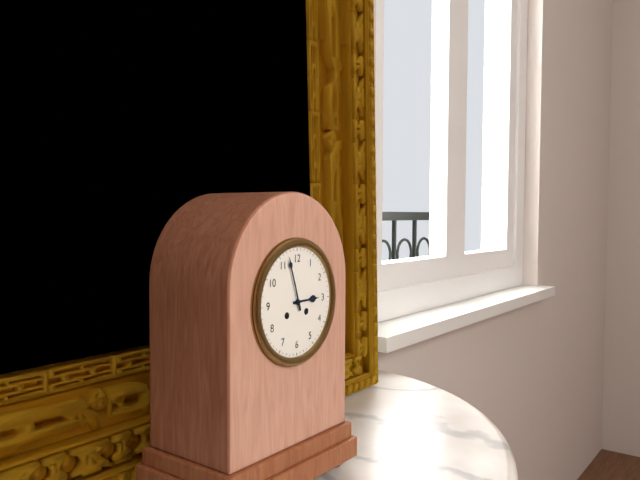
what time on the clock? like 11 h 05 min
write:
2 h 57 min
